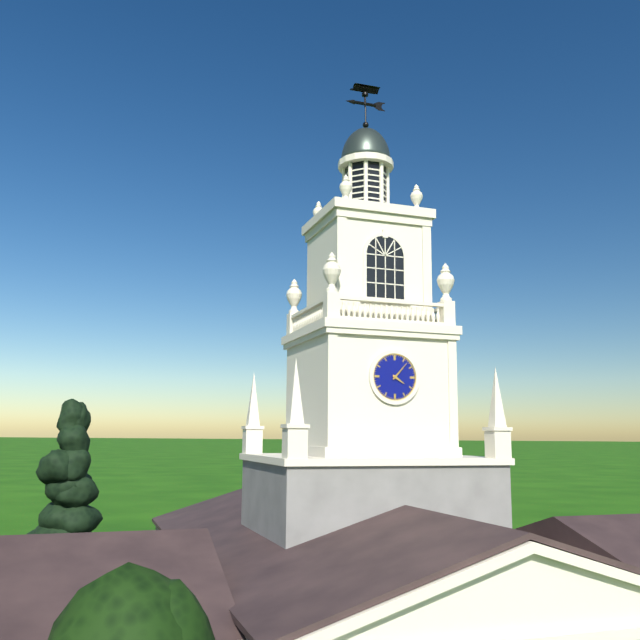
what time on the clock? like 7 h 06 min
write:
4 h 07 min
